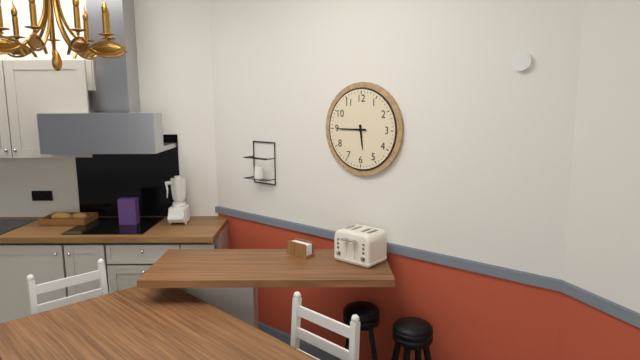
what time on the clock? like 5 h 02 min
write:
5 h 45 min
